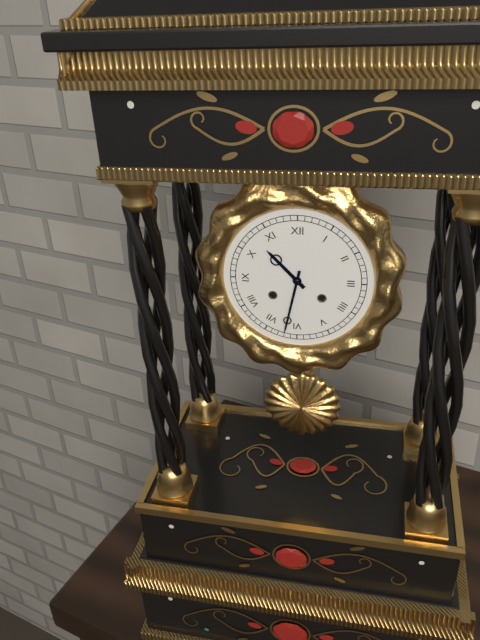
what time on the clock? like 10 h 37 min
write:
10 h 32 min
